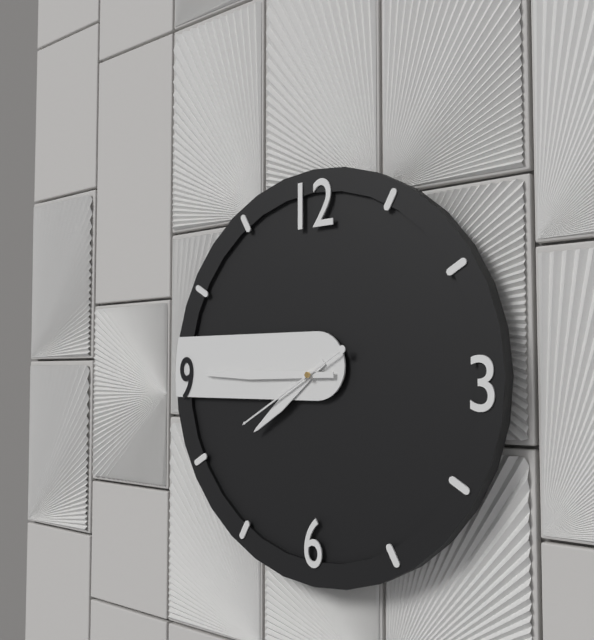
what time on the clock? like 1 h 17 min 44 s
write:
7 h 45 min 40 s
